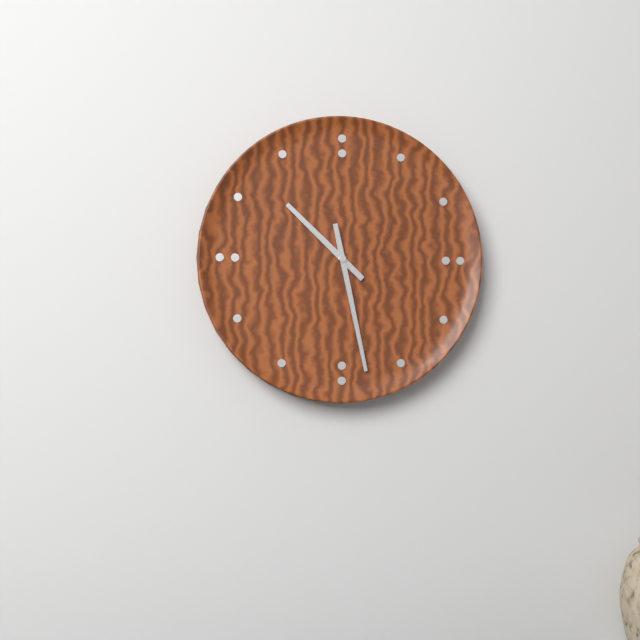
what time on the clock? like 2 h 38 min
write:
10 h 28 min
